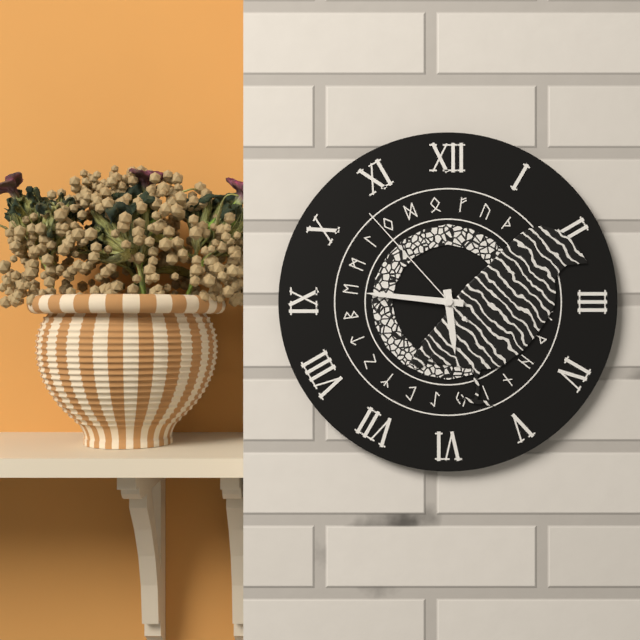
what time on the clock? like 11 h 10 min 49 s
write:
5 h 46 min 53 s
